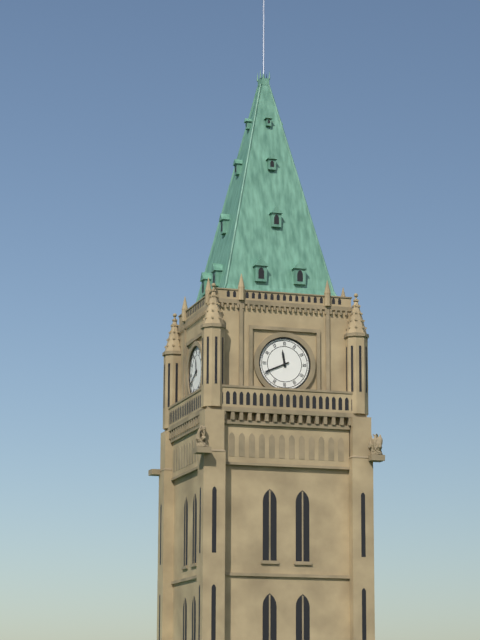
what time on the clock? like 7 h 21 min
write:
11 h 41 min
